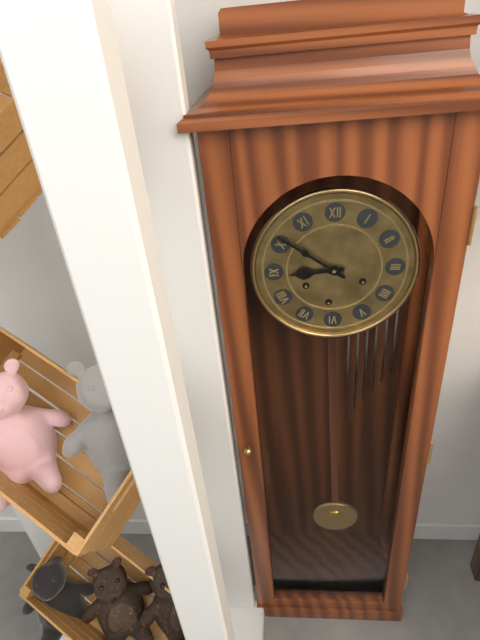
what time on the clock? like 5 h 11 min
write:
8 h 51 min
